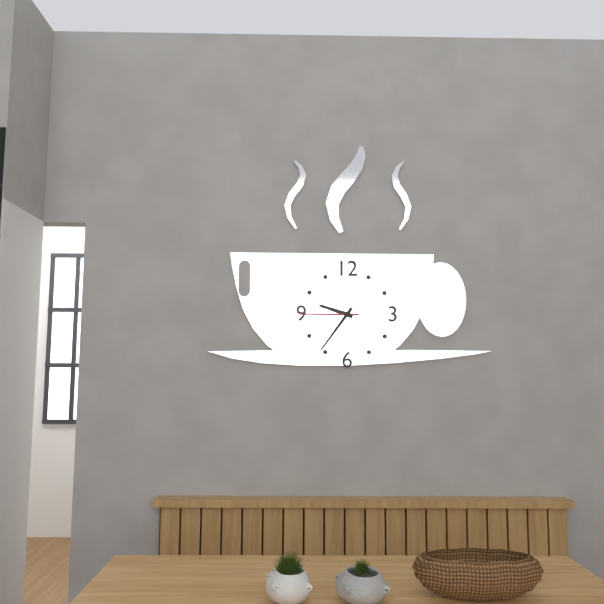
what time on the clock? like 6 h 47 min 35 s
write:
9 h 36 min 45 s
